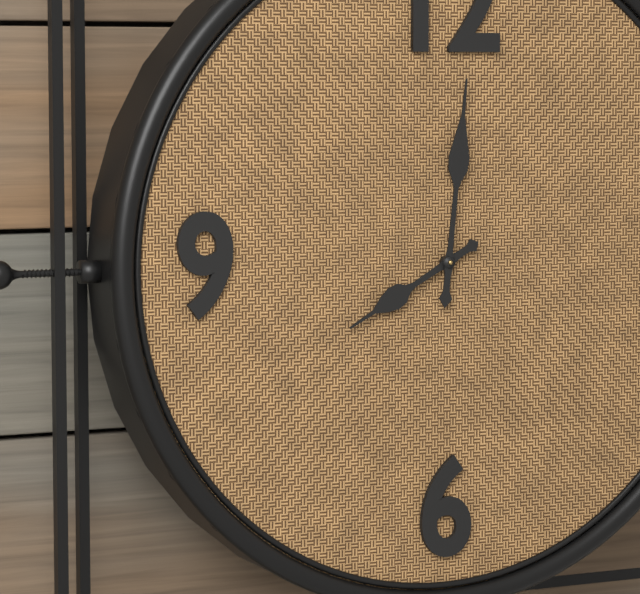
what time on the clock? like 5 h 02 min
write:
8 h 01 min
